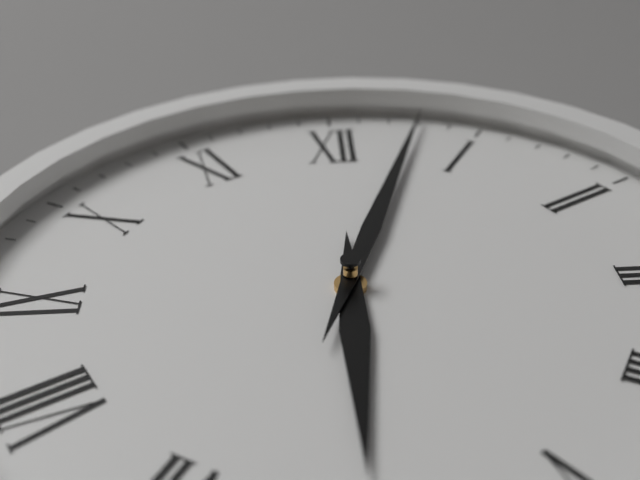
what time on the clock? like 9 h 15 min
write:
6 h 03 min
